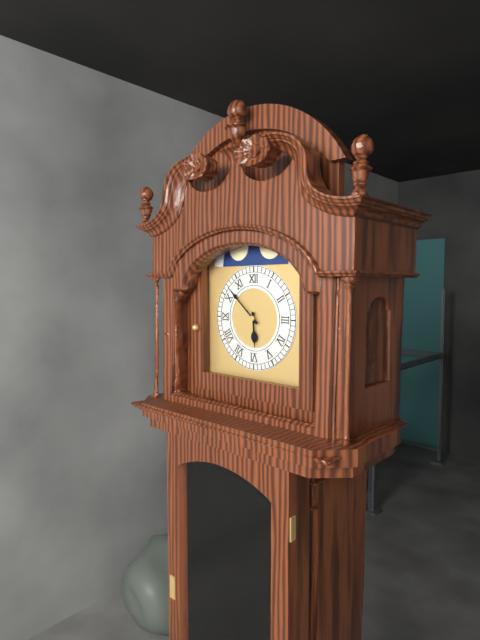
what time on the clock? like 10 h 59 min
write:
5 h 52 min
